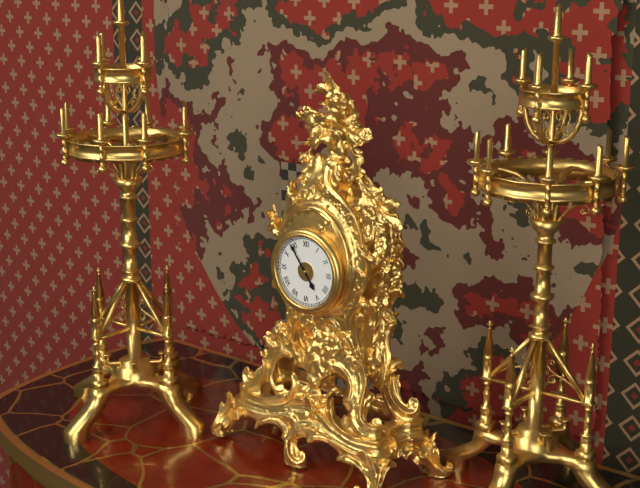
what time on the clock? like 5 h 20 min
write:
4 h 54 min
